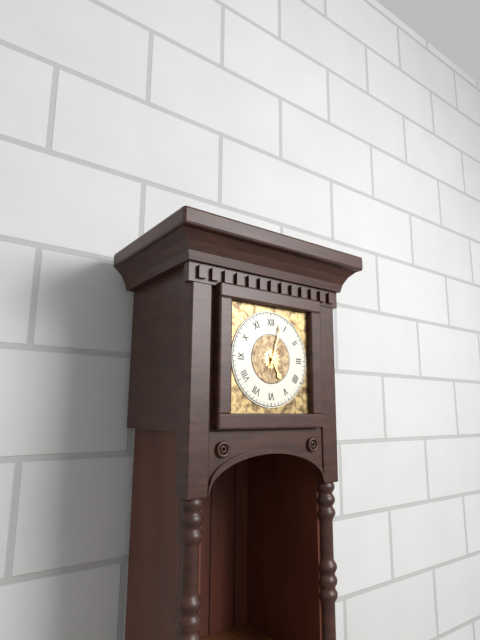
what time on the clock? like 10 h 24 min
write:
5 h 03 min
